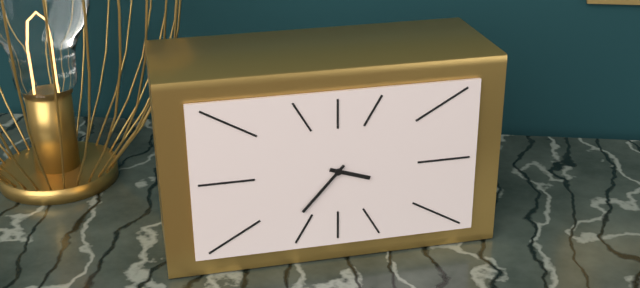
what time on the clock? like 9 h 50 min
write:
3 h 37 min
